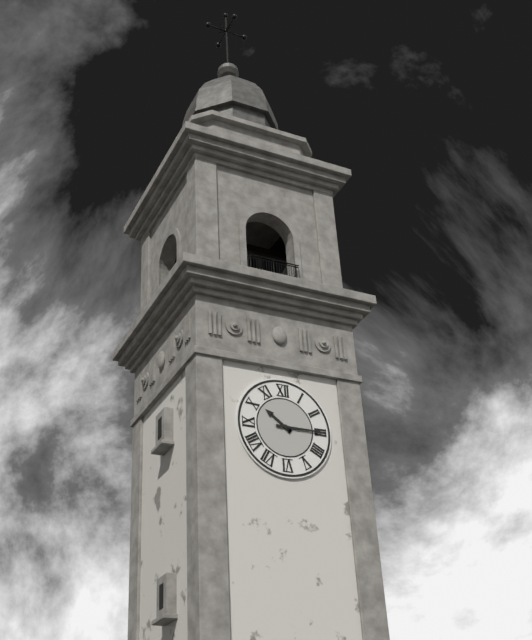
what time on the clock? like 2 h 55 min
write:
10 h 15 min
